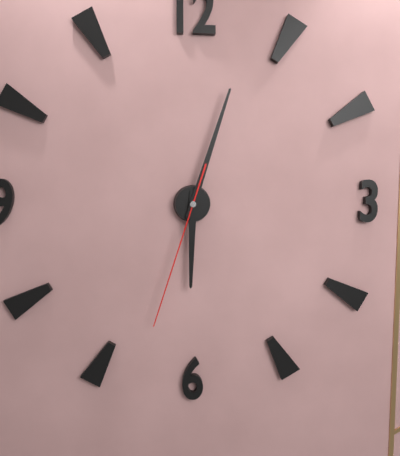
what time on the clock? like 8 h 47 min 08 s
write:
6 h 03 min 33 s
